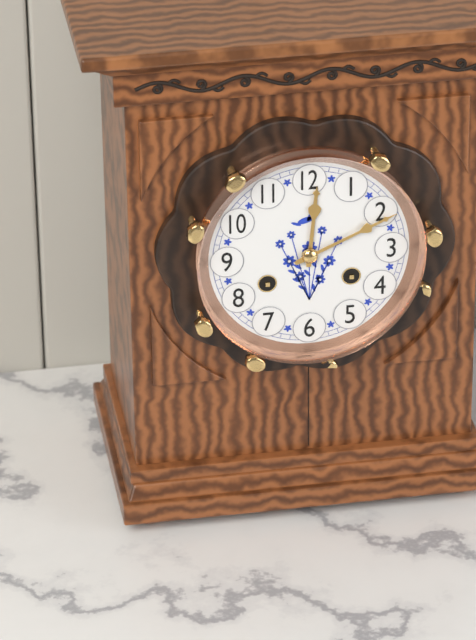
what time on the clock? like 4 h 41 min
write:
12 h 11 min
